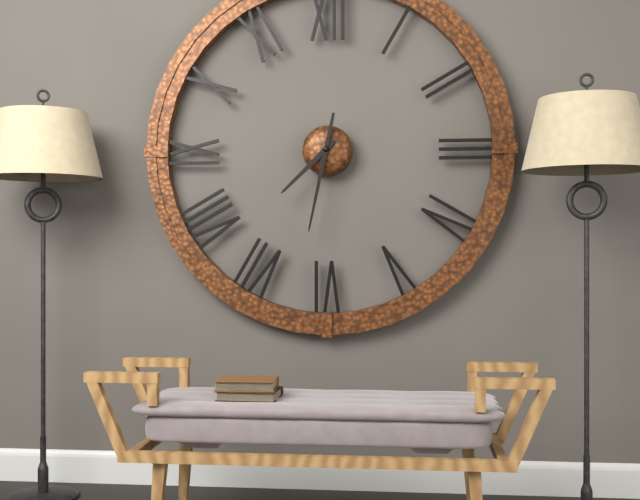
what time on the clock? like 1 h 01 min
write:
7 h 32 min
